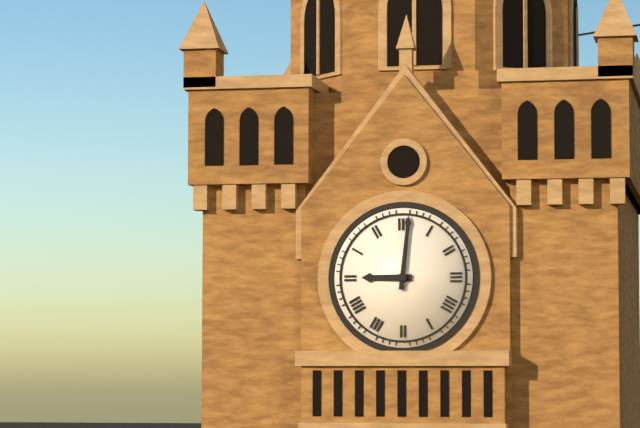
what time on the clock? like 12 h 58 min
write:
9 h 01 min
